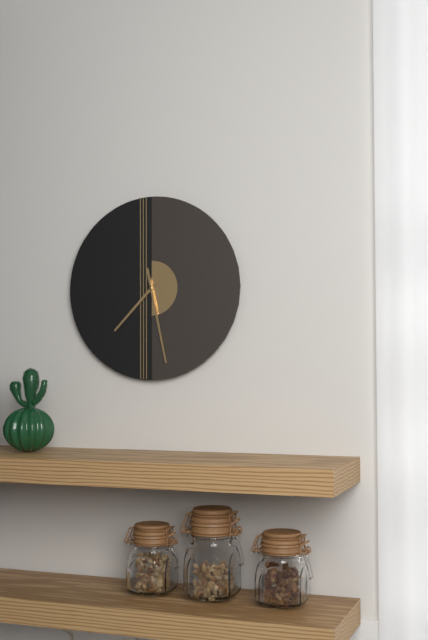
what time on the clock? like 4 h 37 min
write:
7 h 28 min
